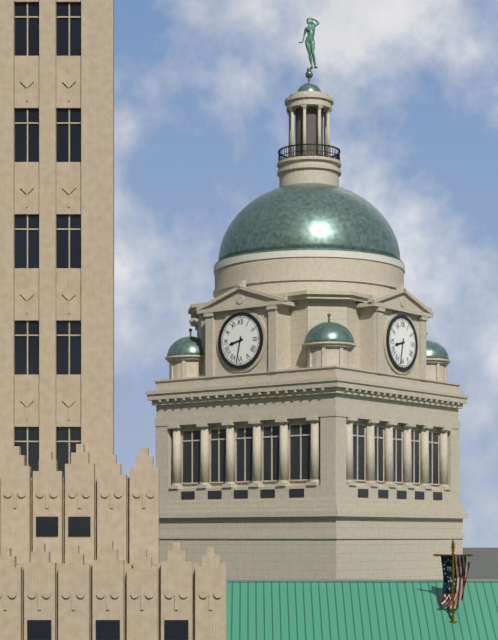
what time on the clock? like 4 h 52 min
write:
8 h 32 min
